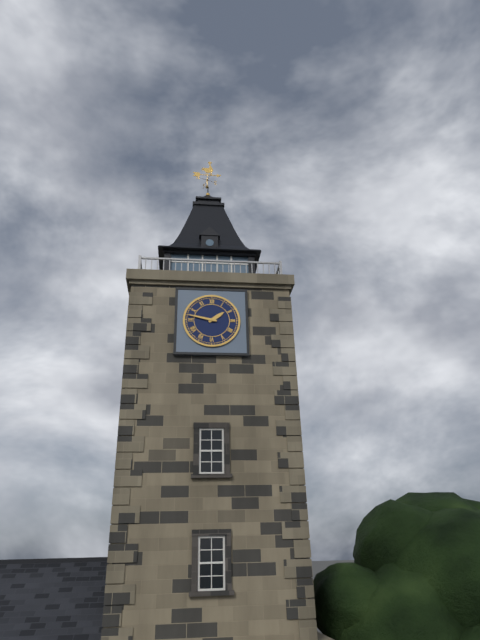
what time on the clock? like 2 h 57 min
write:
1 h 47 min
